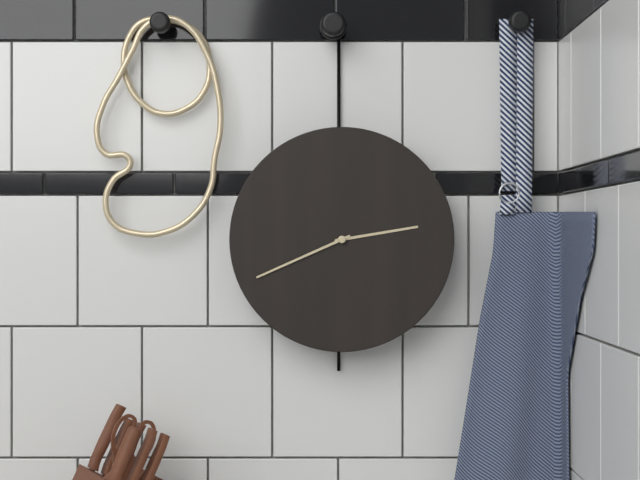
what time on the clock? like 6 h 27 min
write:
2 h 41 min
